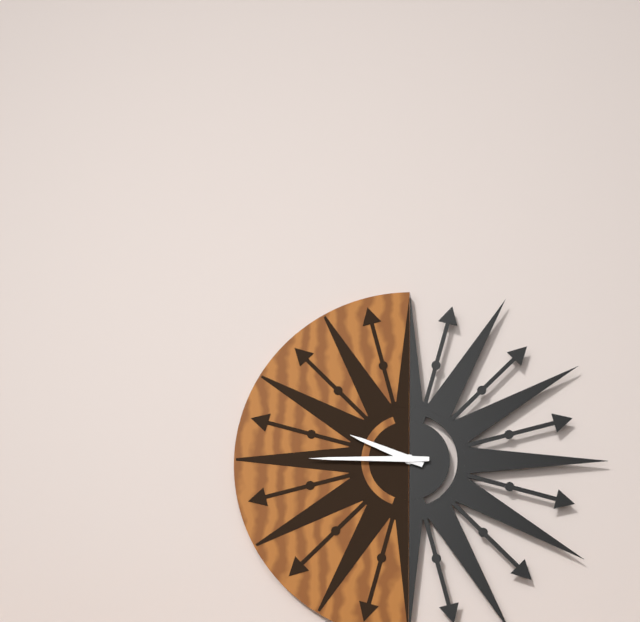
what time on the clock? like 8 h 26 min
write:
9 h 45 min
